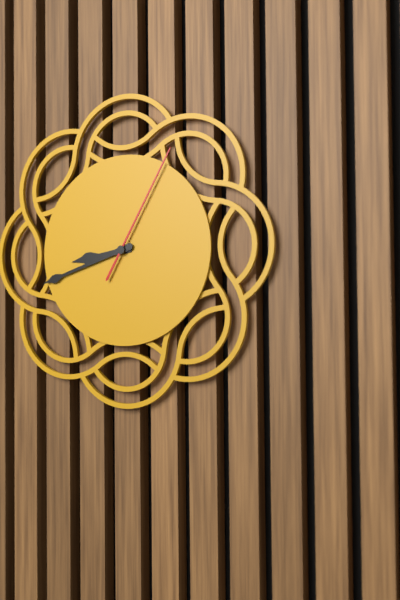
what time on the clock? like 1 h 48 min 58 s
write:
8 h 42 min 05 s
